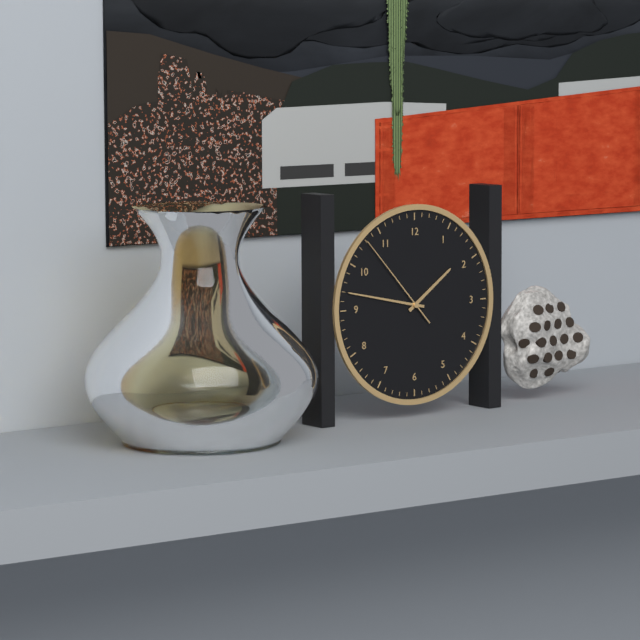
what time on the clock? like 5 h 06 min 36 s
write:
1 h 47 min 53 s
